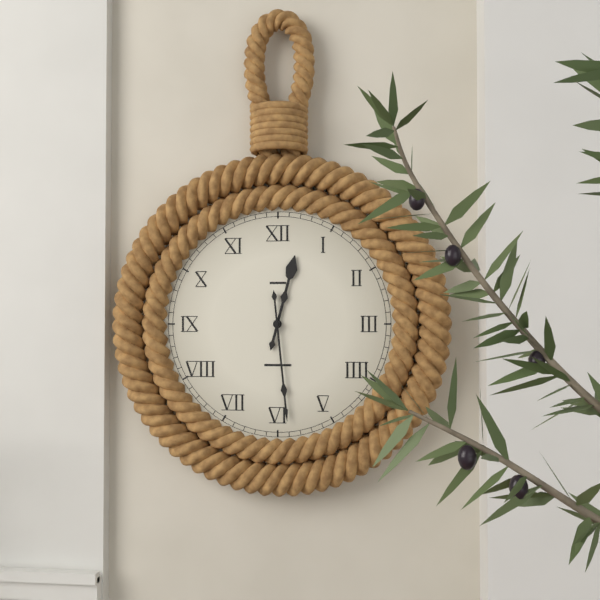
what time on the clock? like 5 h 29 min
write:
12 h 29 min
